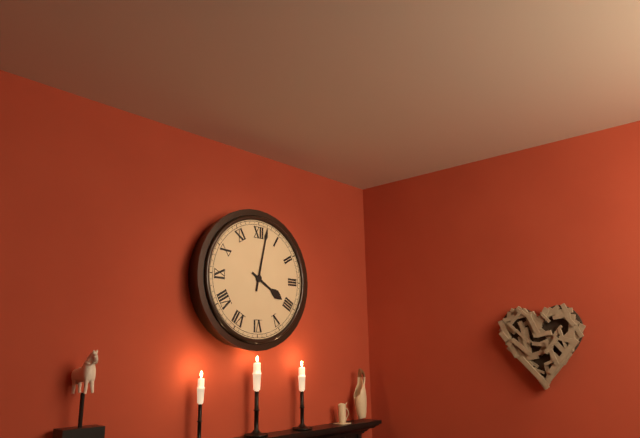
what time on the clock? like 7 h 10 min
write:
4 h 02 min
